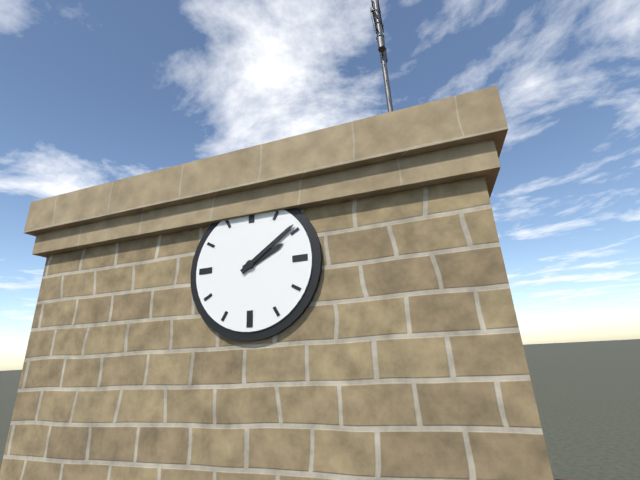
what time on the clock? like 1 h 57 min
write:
2 h 09 min
